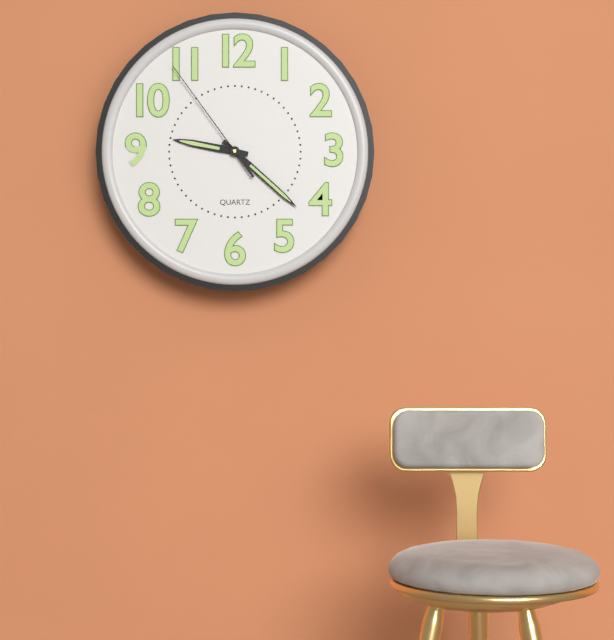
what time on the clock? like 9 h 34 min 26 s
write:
9 h 22 min 54 s
